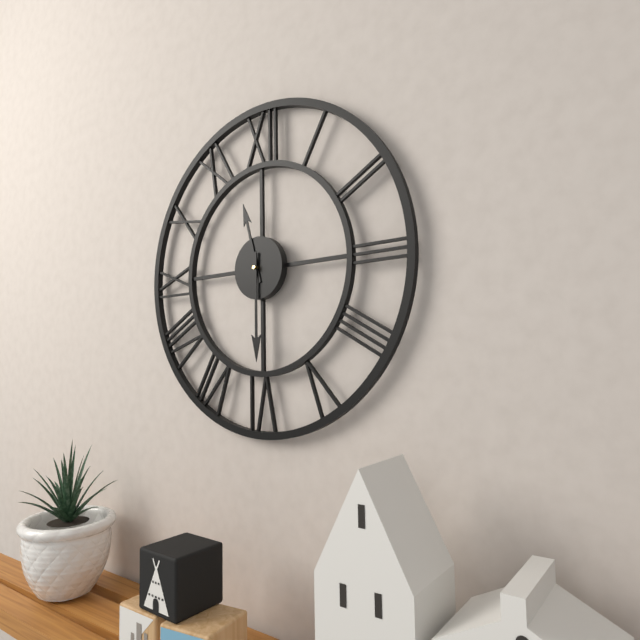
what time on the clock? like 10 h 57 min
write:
11 h 30 min
